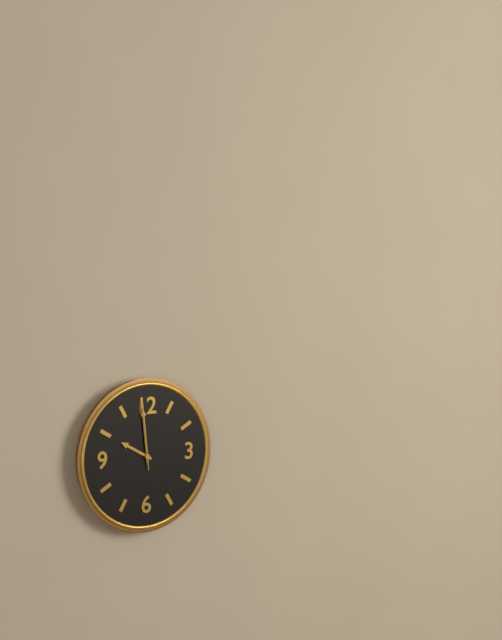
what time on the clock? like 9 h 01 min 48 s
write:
9 h 59 min 59 s
